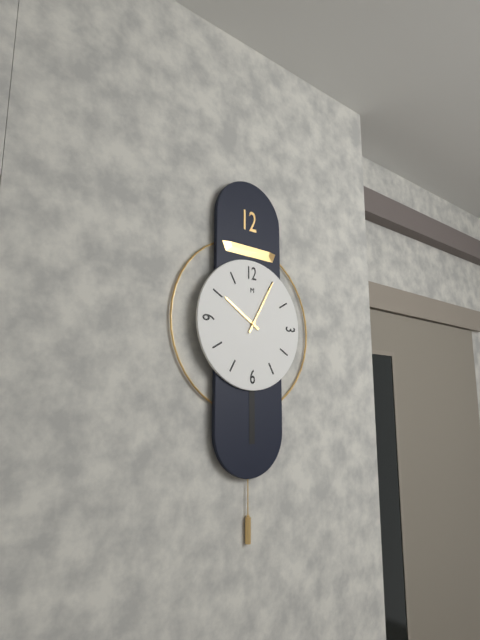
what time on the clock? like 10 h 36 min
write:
10 h 05 min
